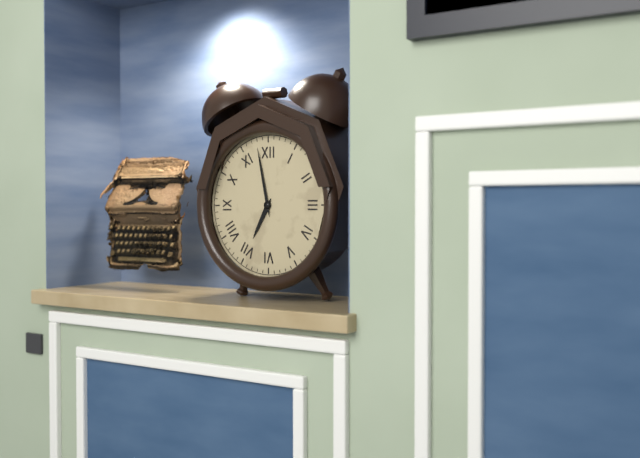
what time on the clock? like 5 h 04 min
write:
6 h 58 min
